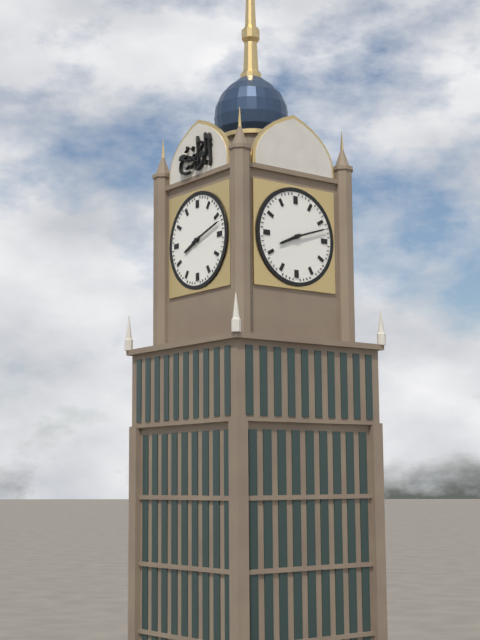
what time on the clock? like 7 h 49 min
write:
8 h 12 min
